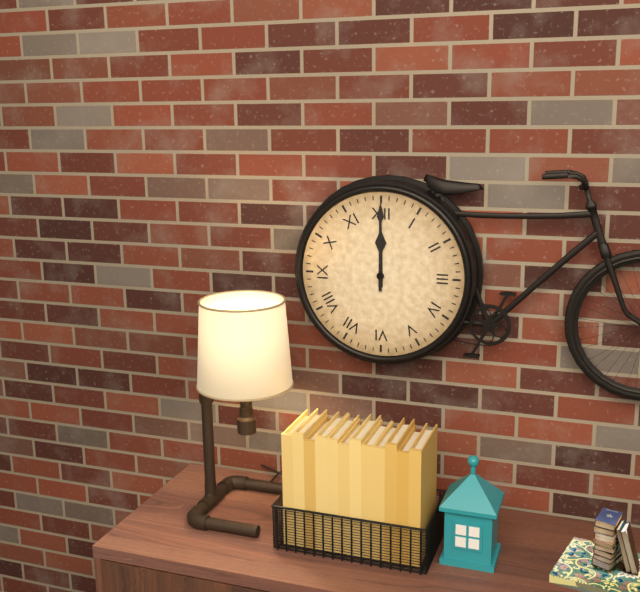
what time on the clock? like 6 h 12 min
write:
12 h 00 min
